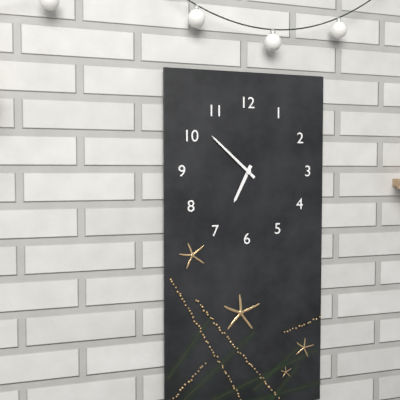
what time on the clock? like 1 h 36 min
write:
6 h 52 min
